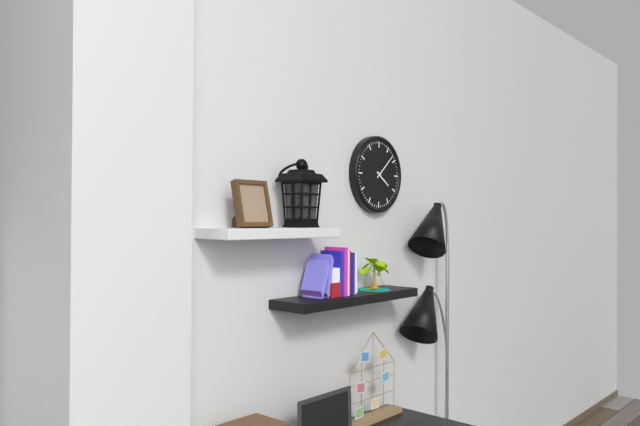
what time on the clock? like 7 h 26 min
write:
4 h 08 min
